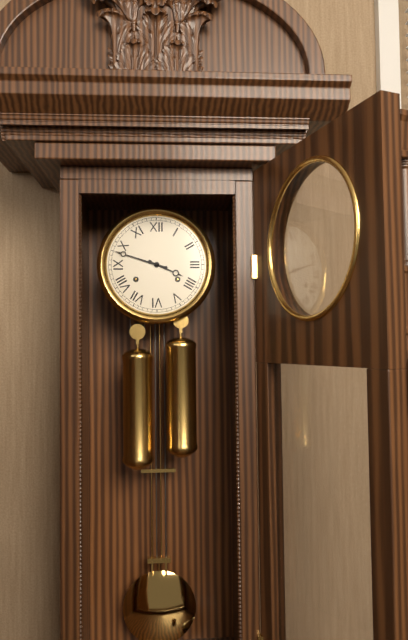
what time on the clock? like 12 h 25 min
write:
3 h 48 min
